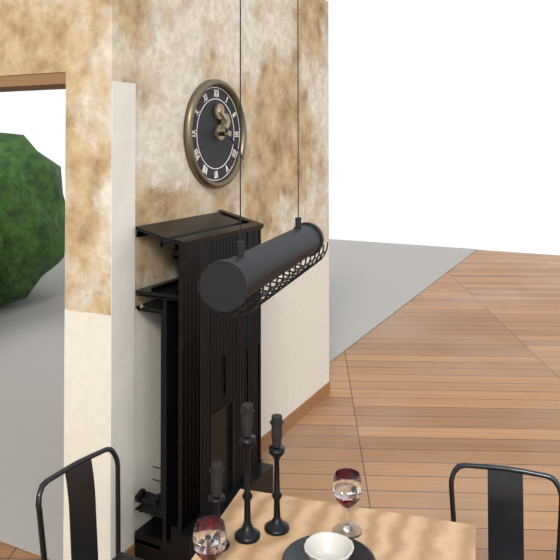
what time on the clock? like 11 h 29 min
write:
4 h 22 min
